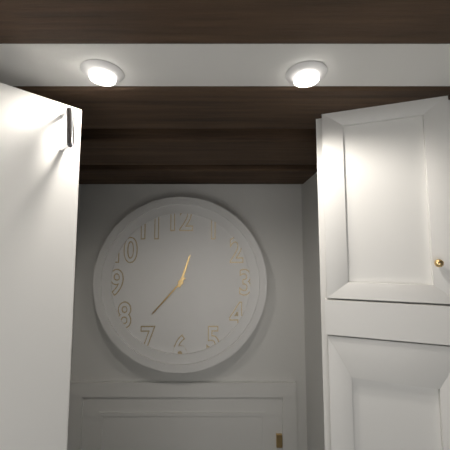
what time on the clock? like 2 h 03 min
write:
12 h 37 min
